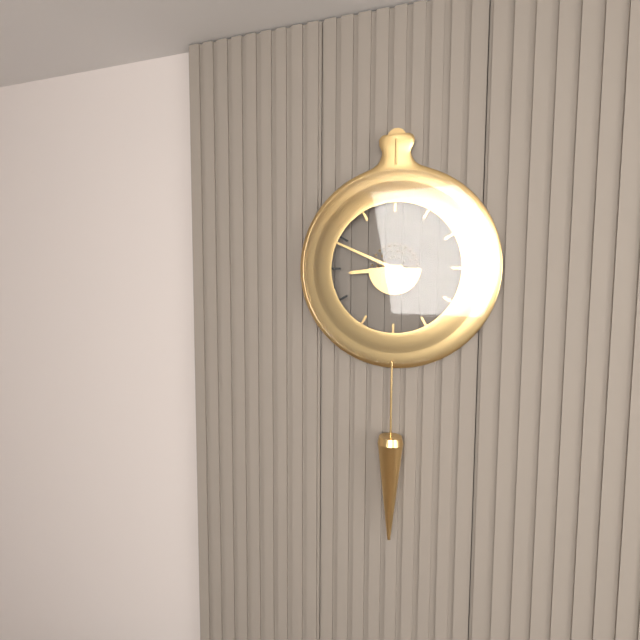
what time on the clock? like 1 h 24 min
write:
8 h 49 min
